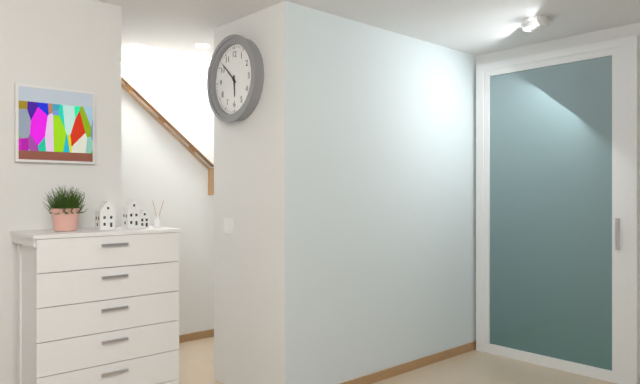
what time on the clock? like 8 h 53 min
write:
5 h 52 min
